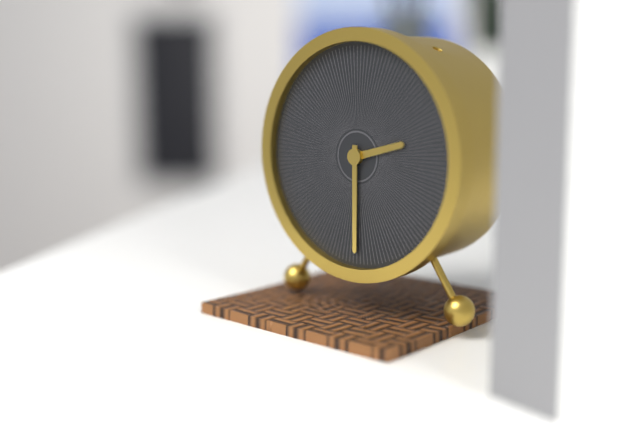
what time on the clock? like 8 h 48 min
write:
2 h 30 min
